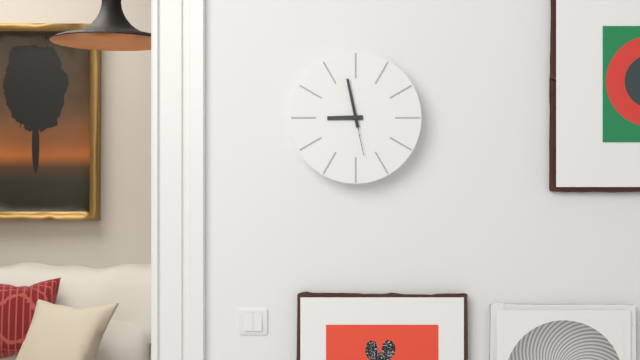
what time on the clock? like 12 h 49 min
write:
8 h 58 min
